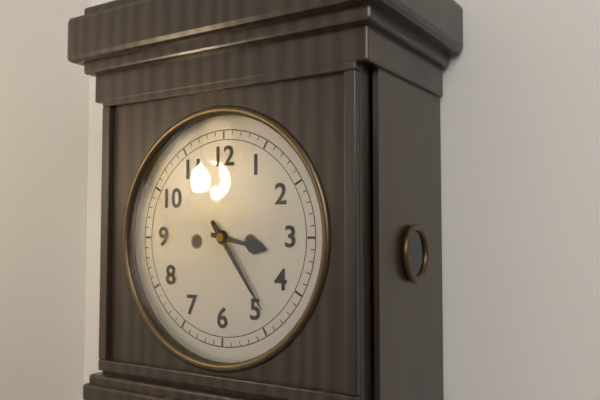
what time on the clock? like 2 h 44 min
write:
3 h 24 min
